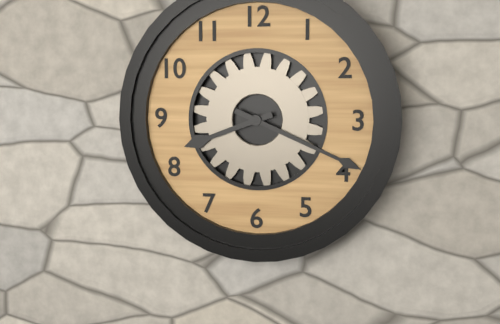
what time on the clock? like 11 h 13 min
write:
8 h 19 min
